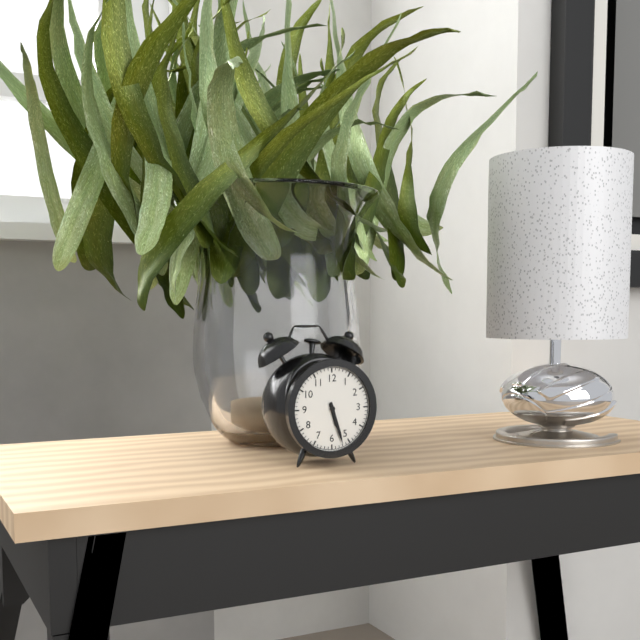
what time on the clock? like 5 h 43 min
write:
5 h 27 min
